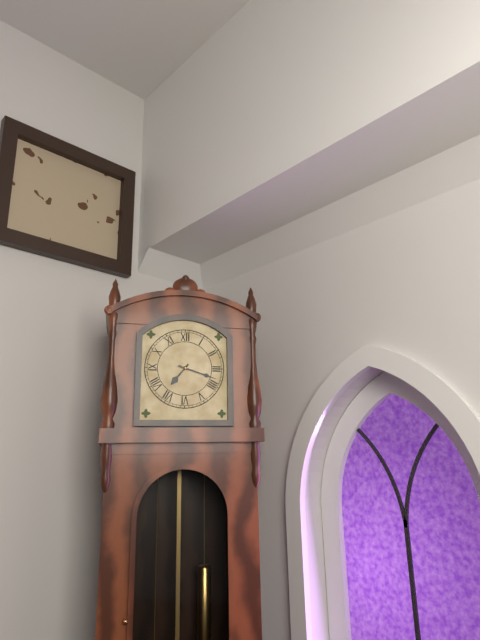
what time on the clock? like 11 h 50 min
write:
7 h 18 min
